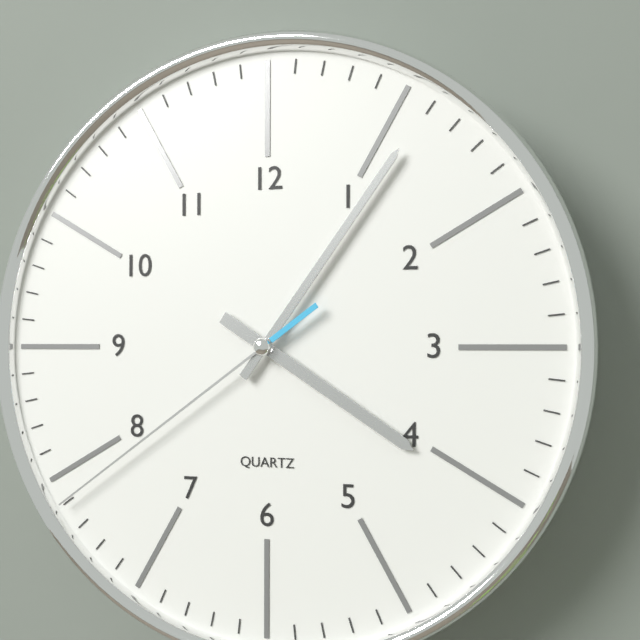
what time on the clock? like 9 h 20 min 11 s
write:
4 h 06 min 39 s
